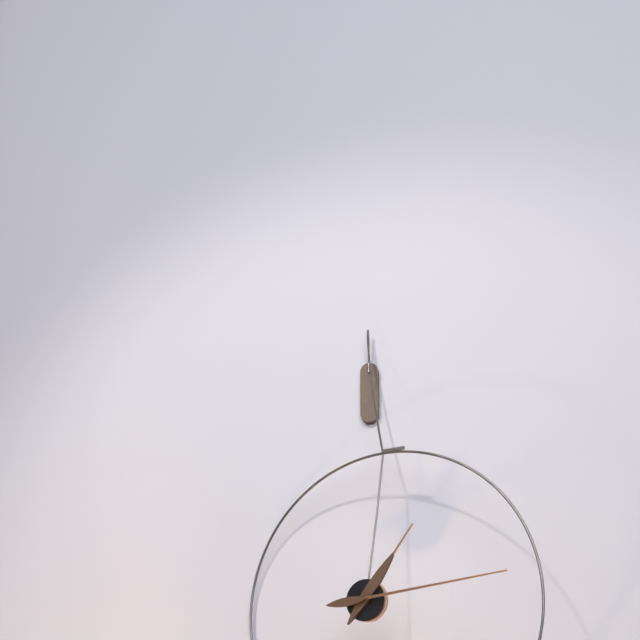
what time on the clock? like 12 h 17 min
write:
1 h 14 min
